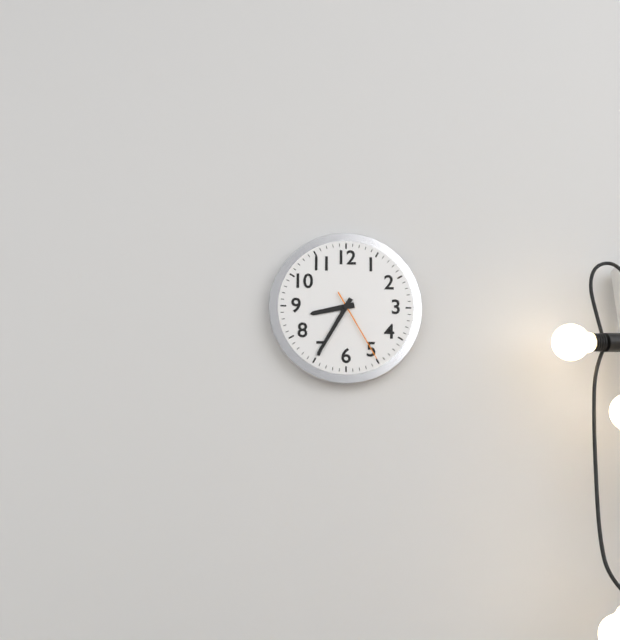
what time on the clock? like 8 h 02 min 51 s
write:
8 h 35 min 25 s
